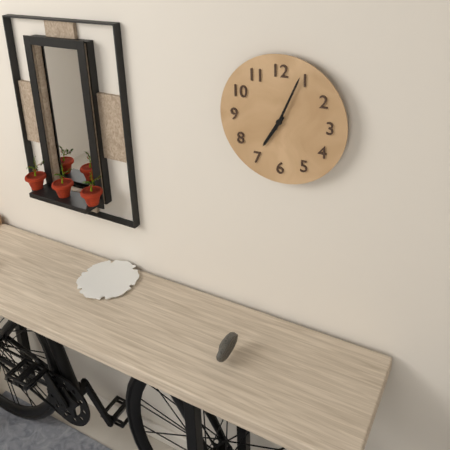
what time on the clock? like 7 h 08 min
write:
7 h 04 min
